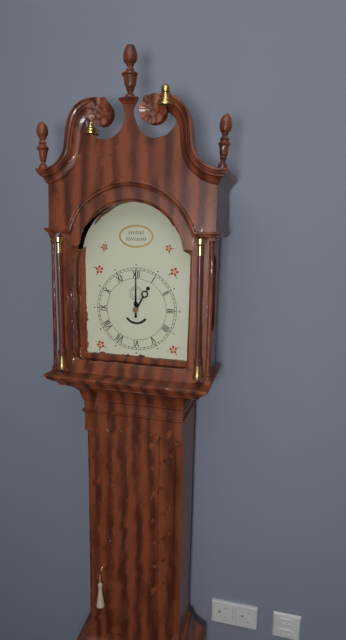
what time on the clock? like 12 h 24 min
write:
1 h 00 min
